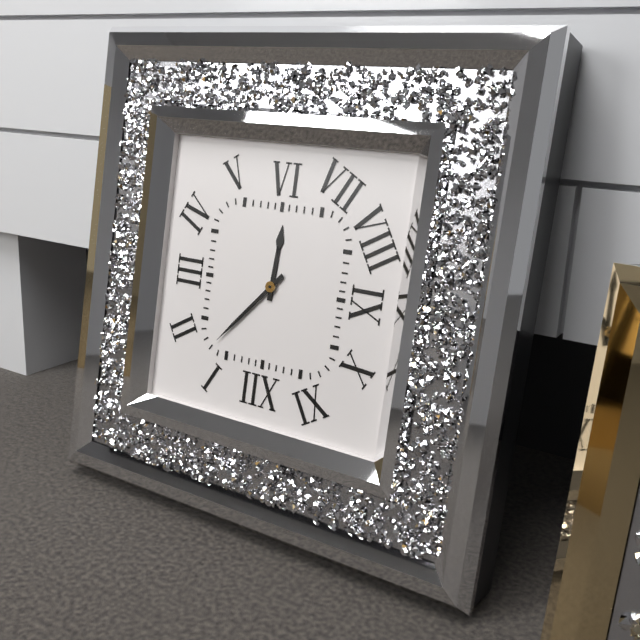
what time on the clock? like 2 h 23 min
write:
6 h 07 min
